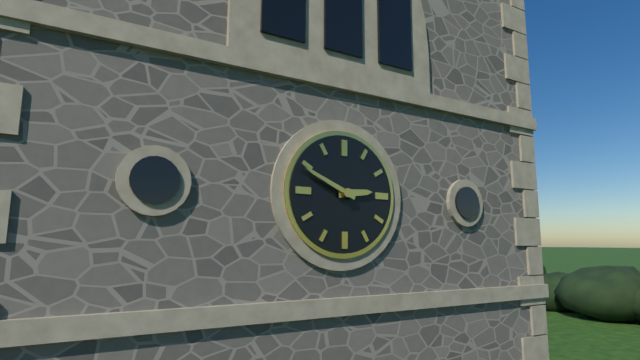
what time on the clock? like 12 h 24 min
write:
2 h 49 min
